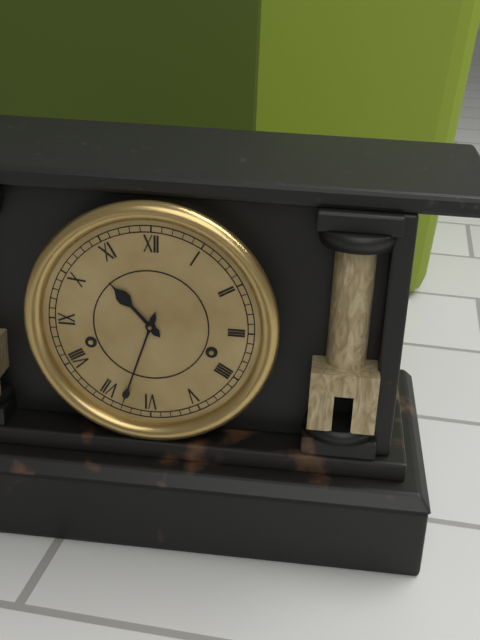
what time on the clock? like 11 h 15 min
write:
10 h 33 min
